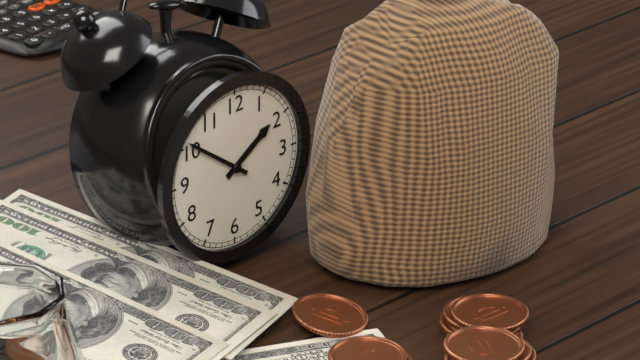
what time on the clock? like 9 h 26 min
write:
1 h 51 min
